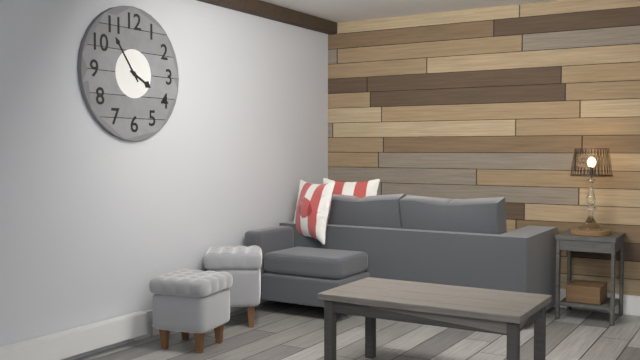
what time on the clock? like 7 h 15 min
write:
3 h 54 min
